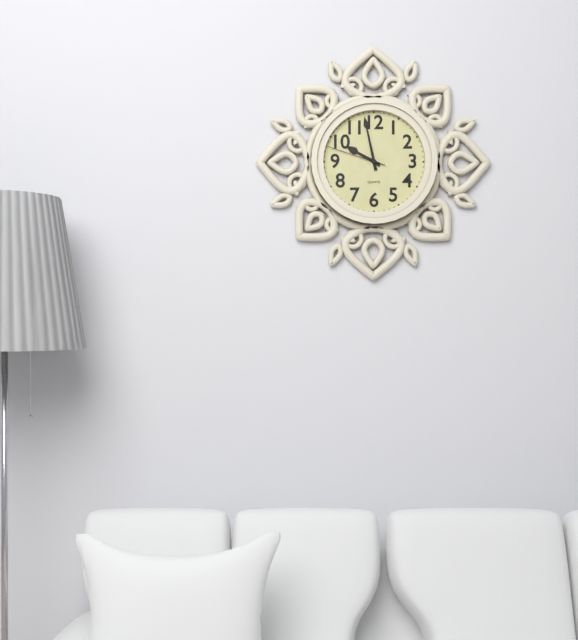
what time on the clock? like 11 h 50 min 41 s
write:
9 h 58 min 48 s
